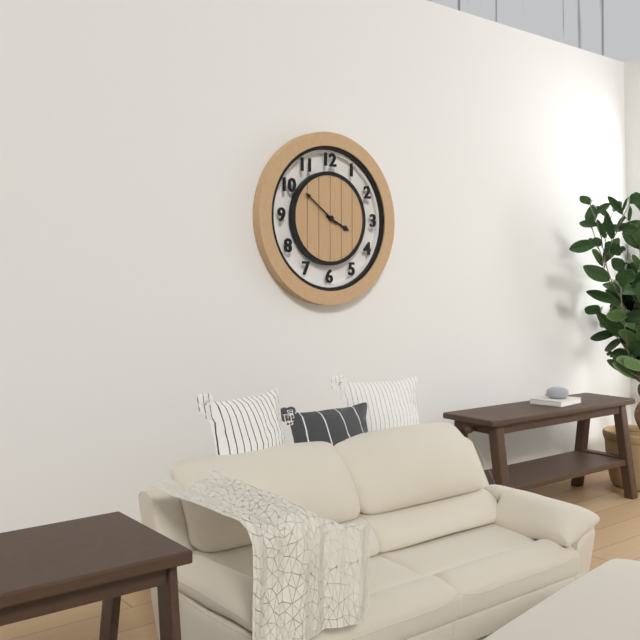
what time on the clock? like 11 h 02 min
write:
3 h 51 min
